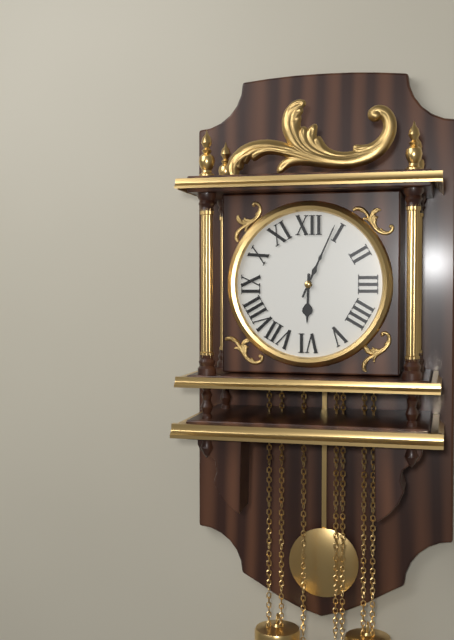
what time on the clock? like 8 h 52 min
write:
6 h 04 min
